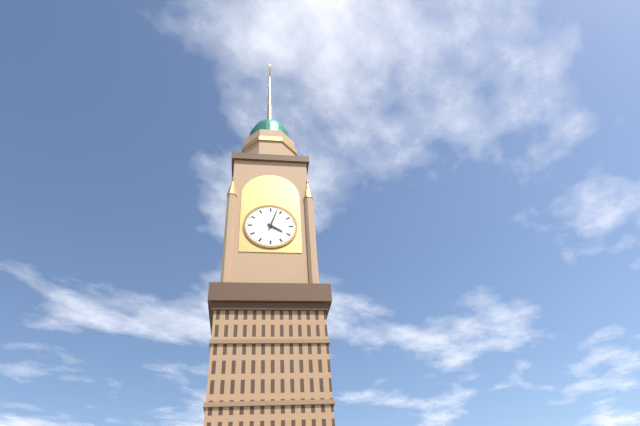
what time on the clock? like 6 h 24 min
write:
4 h 03 min
